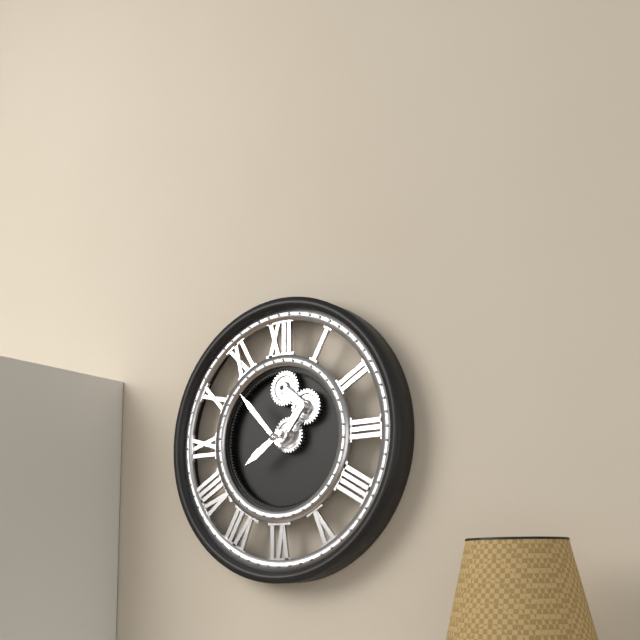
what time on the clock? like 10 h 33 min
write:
7 h 53 min
